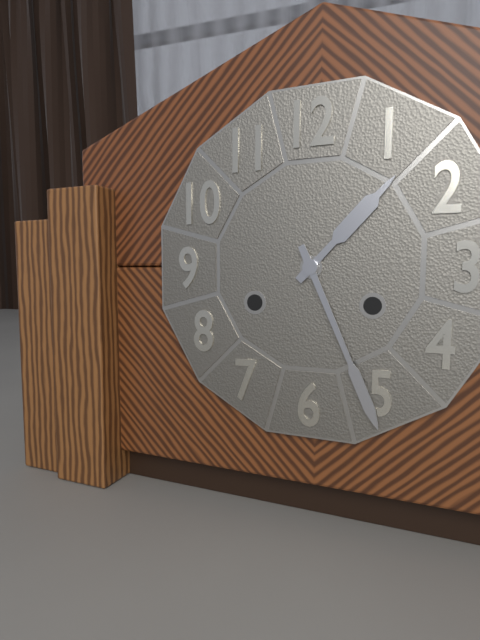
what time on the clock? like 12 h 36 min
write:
1 h 26 min
